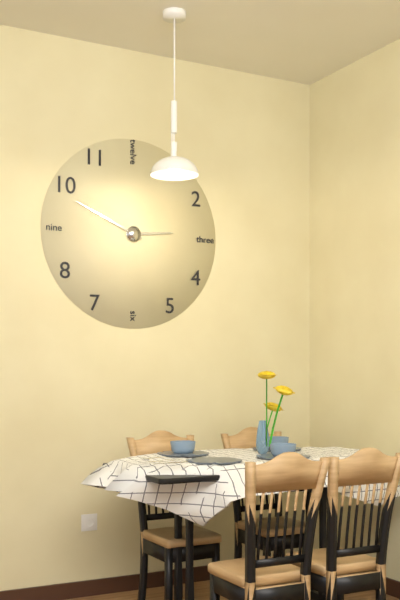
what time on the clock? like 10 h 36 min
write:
2 h 49 min
